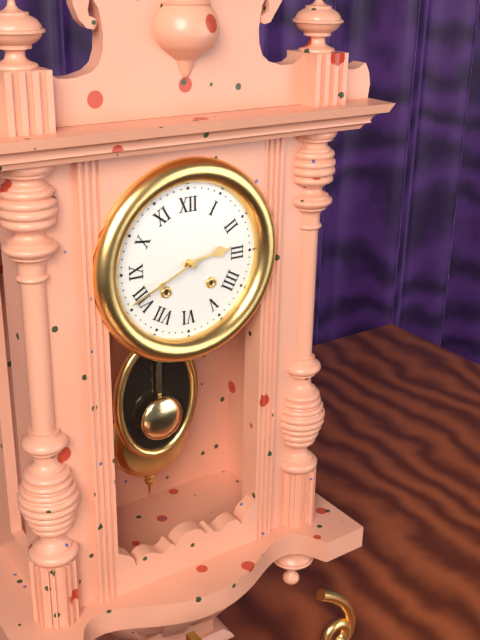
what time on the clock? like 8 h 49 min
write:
2 h 41 min
